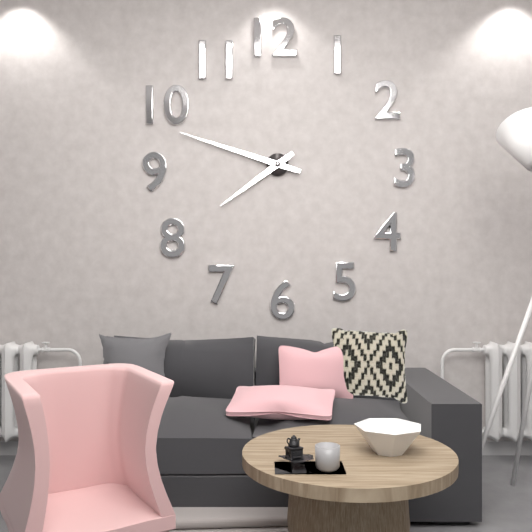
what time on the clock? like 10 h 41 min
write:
7 h 48 min
